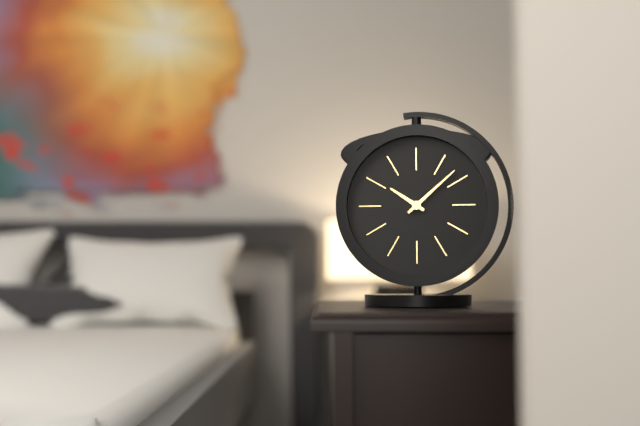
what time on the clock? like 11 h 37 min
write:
10 h 08 min
